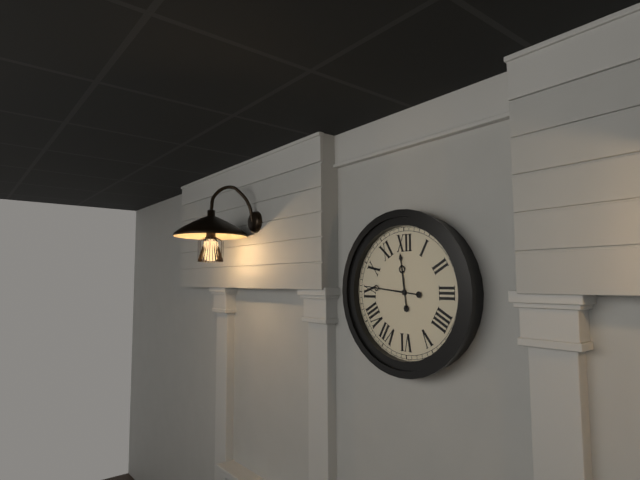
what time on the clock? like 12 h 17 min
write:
11 h 46 min
